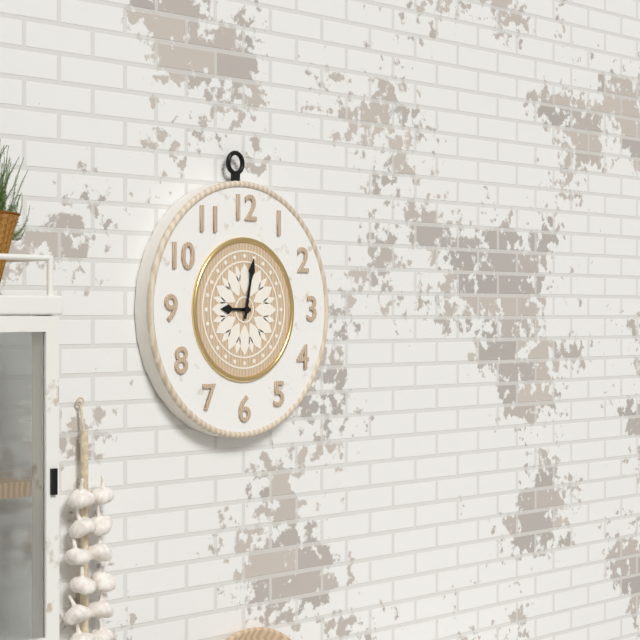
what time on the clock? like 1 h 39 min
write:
9 h 02 min
